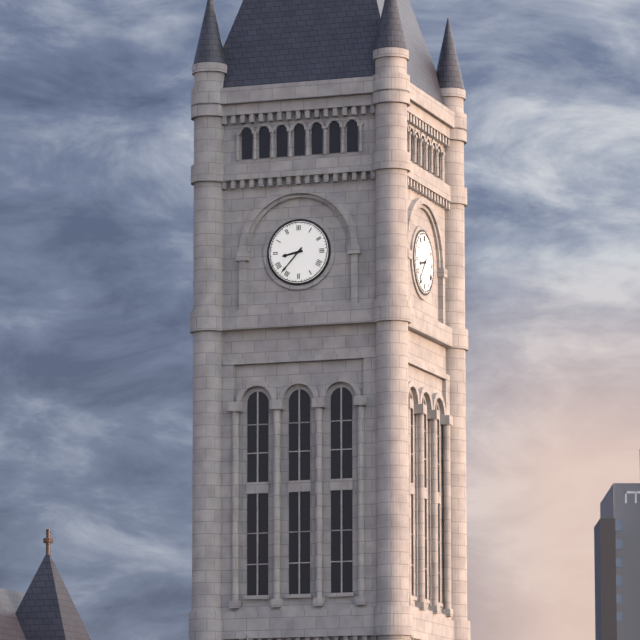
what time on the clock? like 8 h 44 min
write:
8 h 37 min
